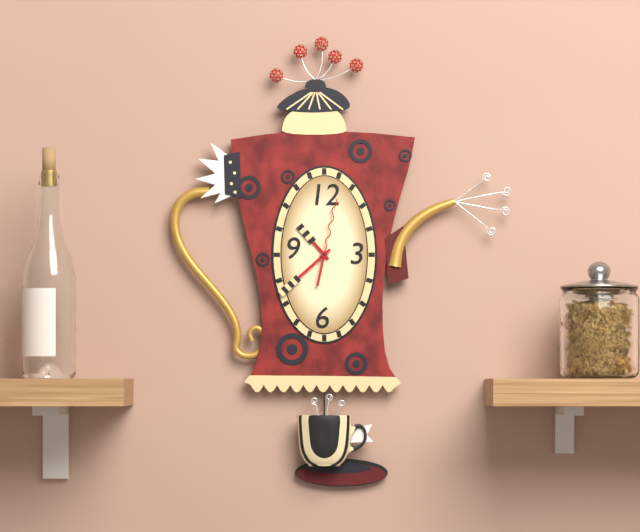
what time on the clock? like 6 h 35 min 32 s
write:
10 h 38 min 02 s
